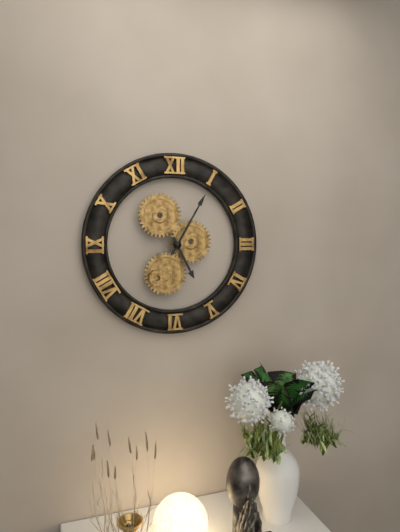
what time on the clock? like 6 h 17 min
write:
5 h 05 min
